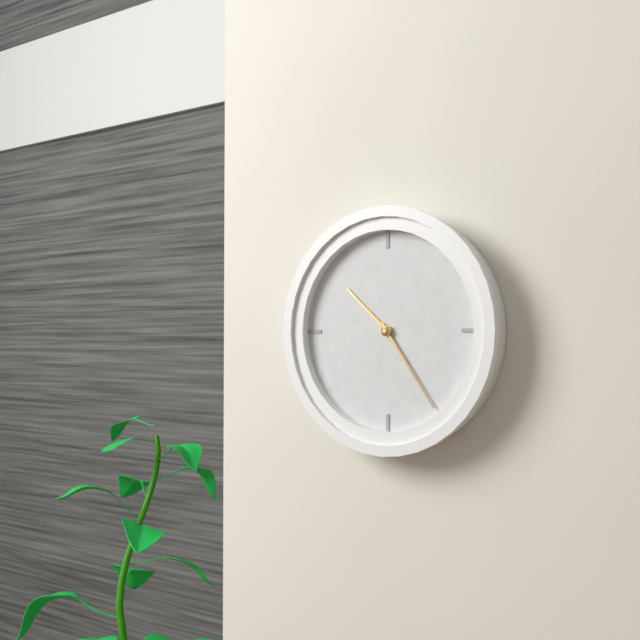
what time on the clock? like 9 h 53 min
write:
10 h 24 min
